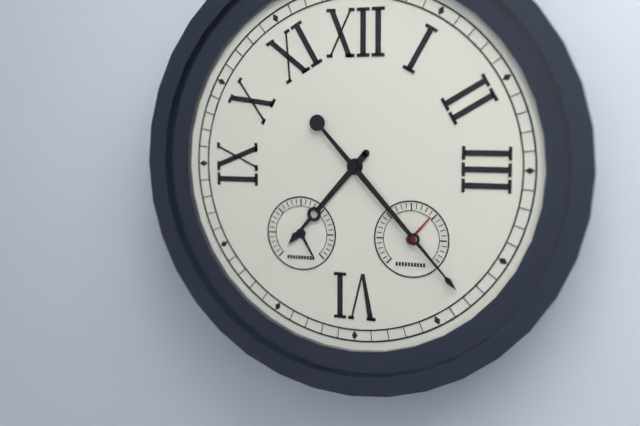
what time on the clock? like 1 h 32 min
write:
7 h 23 min
